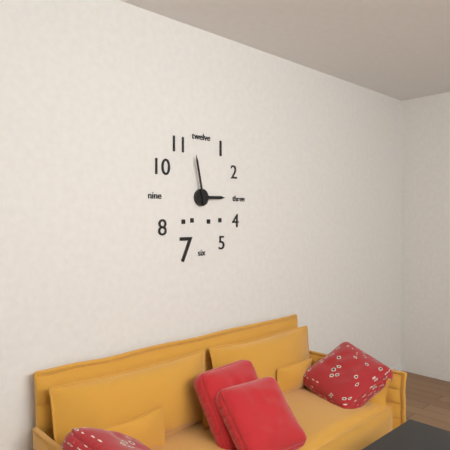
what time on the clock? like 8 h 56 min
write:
2 h 58 min
